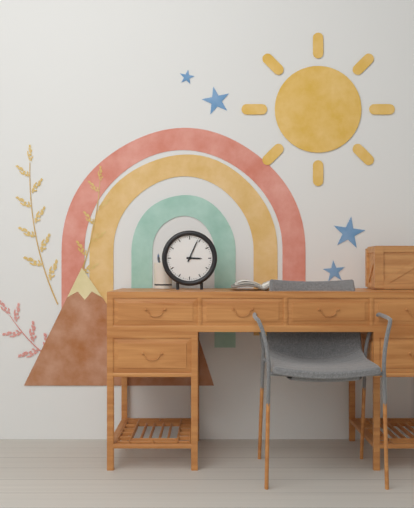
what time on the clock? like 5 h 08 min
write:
3 h 04 min
